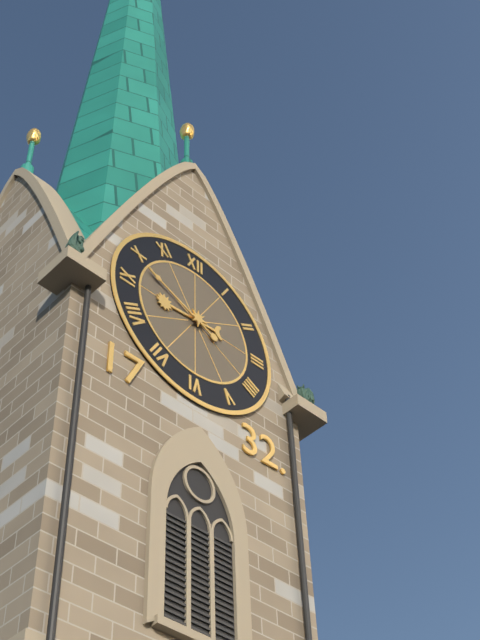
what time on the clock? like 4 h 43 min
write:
8 h 49 min
